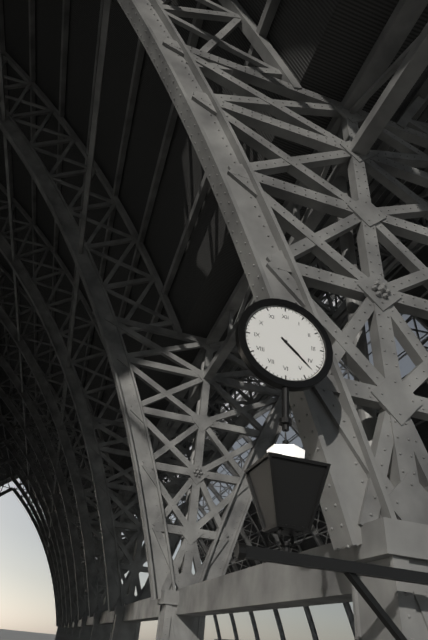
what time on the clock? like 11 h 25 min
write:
4 h 22 min
